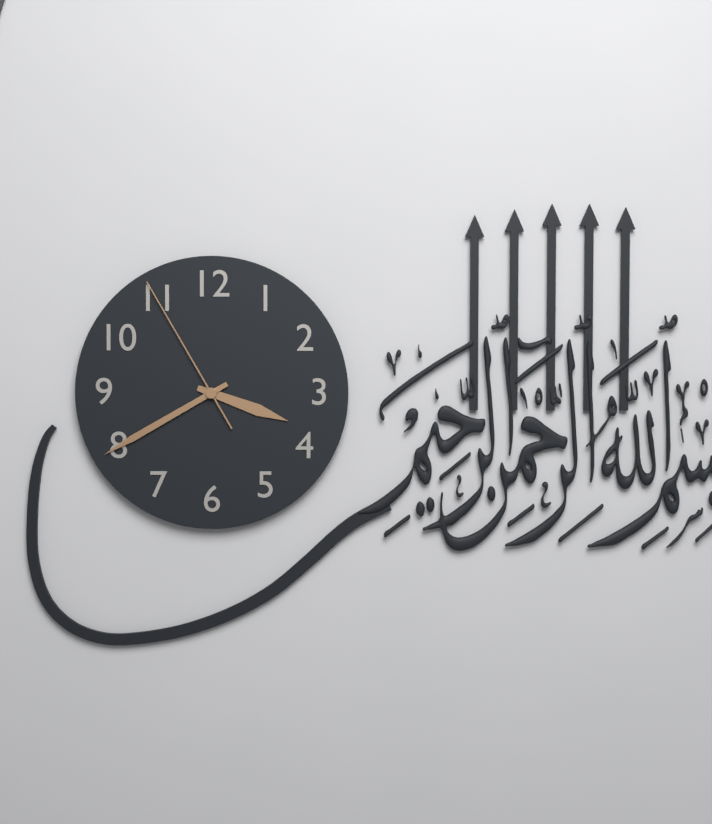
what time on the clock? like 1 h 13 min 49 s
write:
3 h 40 min 55 s
